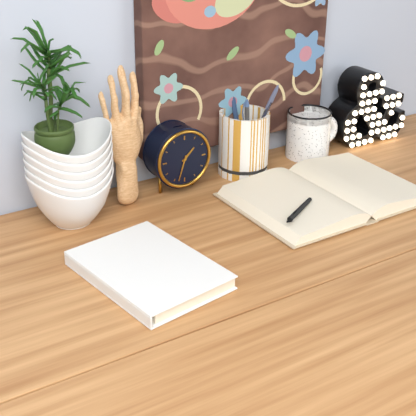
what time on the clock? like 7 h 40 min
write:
1 h 33 min
